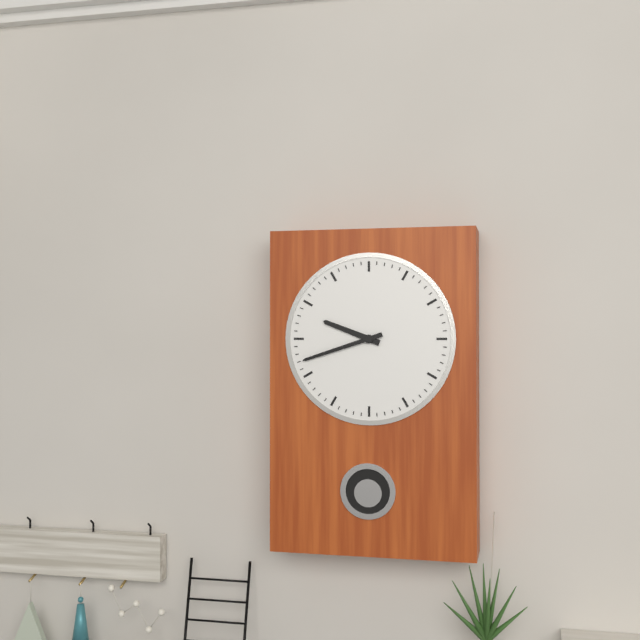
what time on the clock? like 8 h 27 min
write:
9 h 42 min
